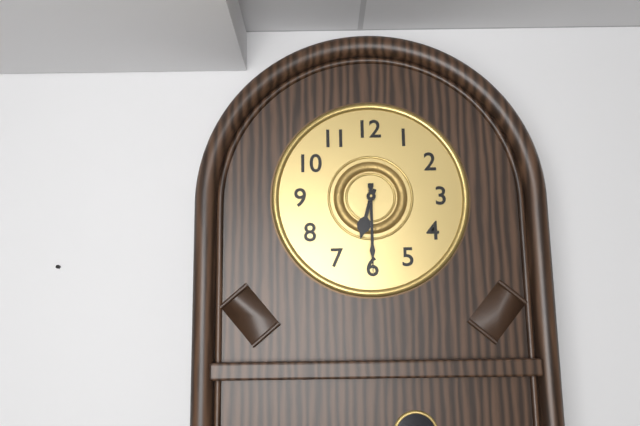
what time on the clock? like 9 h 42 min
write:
6 h 30 min
